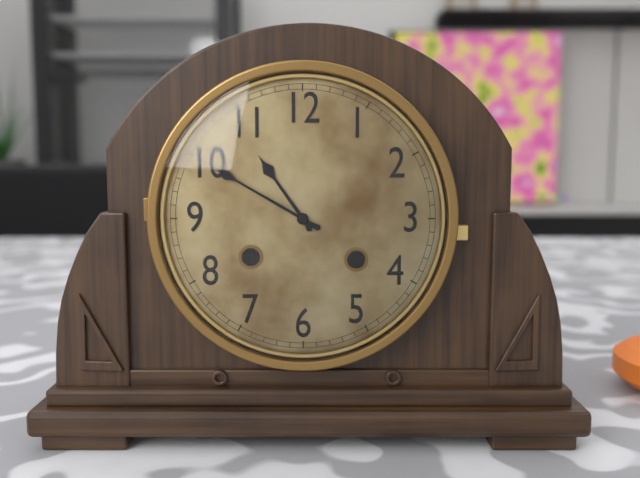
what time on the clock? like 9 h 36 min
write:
10 h 50 min
